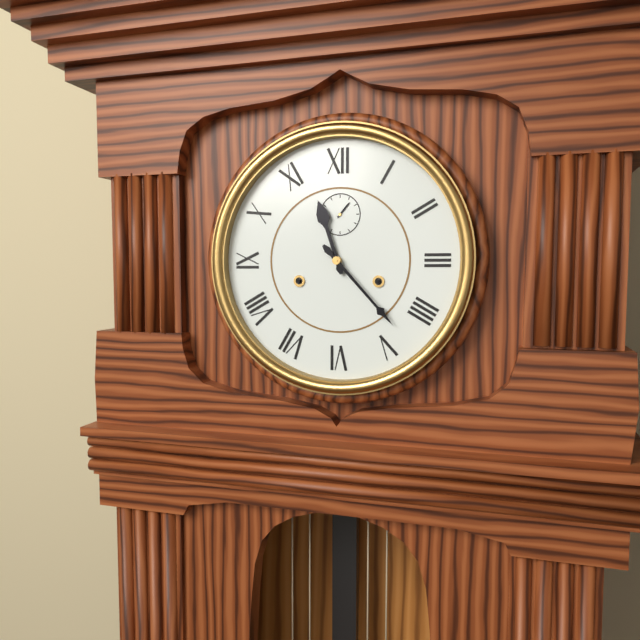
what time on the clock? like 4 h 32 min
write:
11 h 23 min
